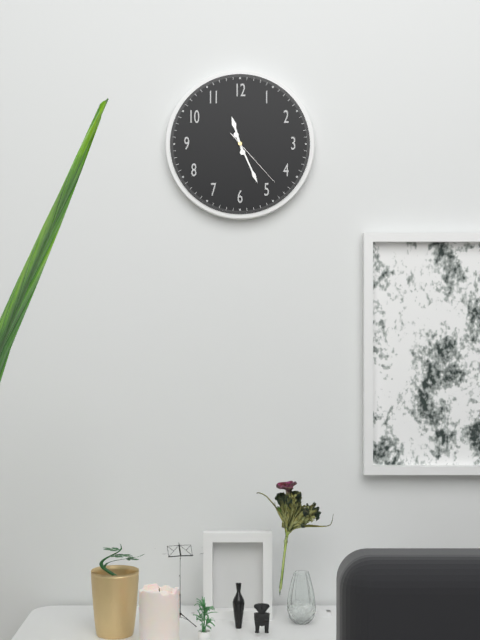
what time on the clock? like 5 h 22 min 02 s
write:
11 h 26 min 23 s
